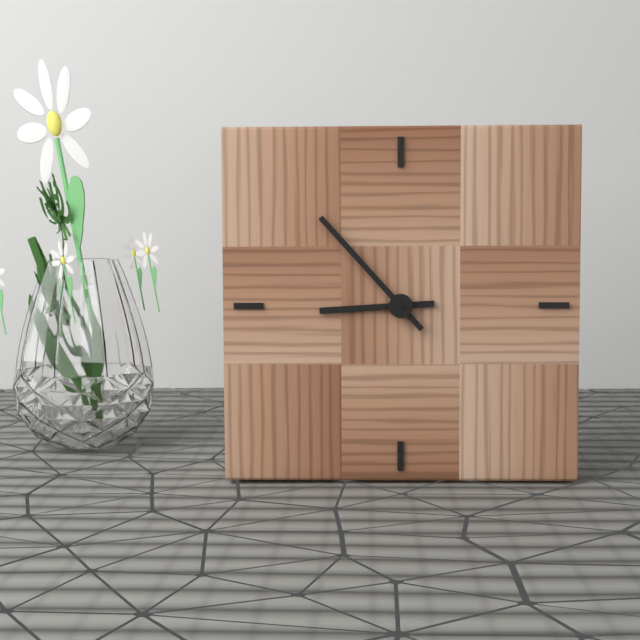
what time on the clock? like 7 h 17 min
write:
8 h 53 min
